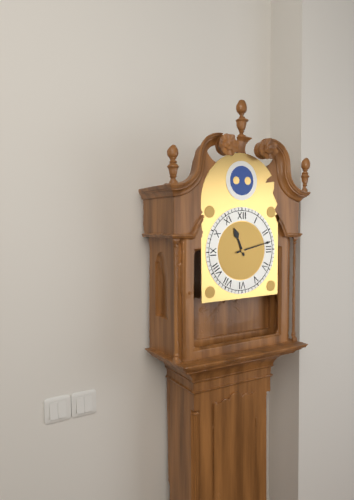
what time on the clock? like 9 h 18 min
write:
11 h 13 min
